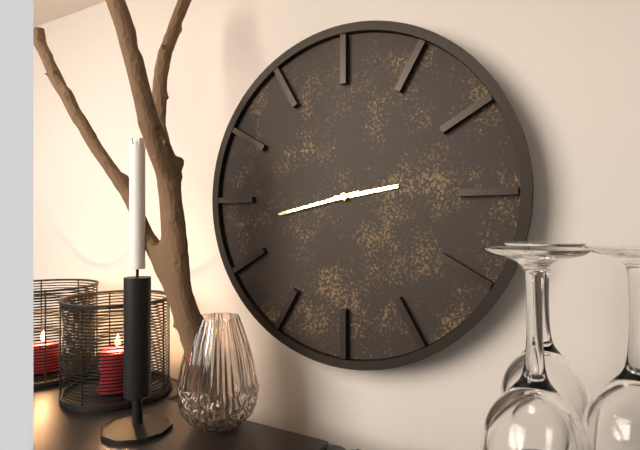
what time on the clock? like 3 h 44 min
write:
2 h 43 min
